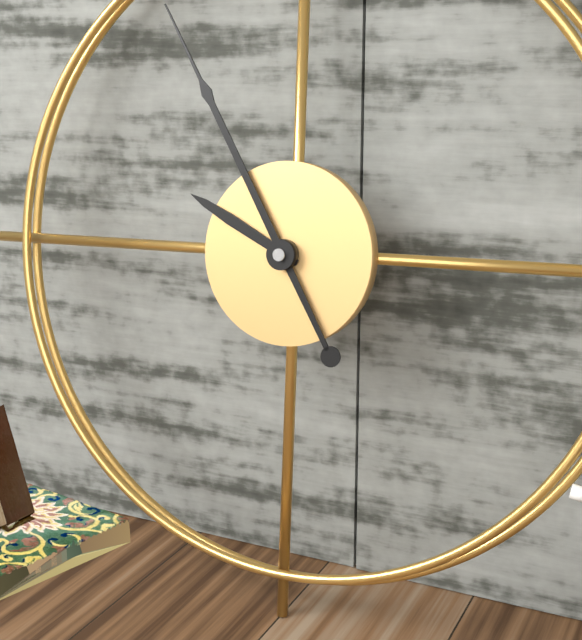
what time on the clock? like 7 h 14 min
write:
9 h 55 min
